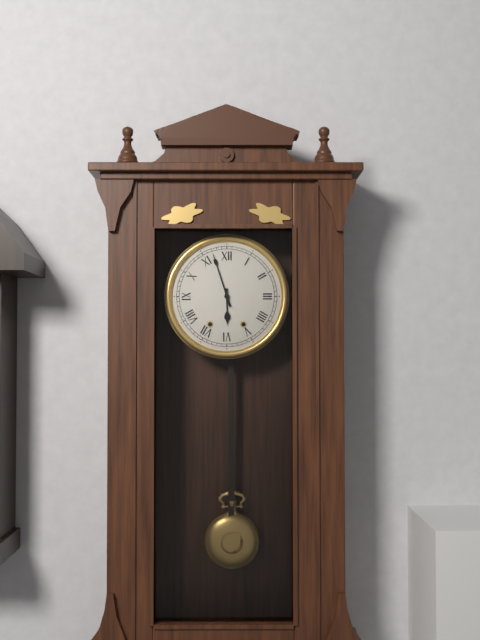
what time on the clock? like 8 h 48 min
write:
5 h 57 min
